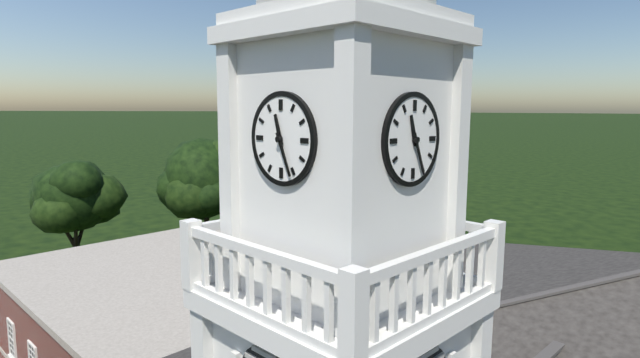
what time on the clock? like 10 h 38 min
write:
11 h 26 min
